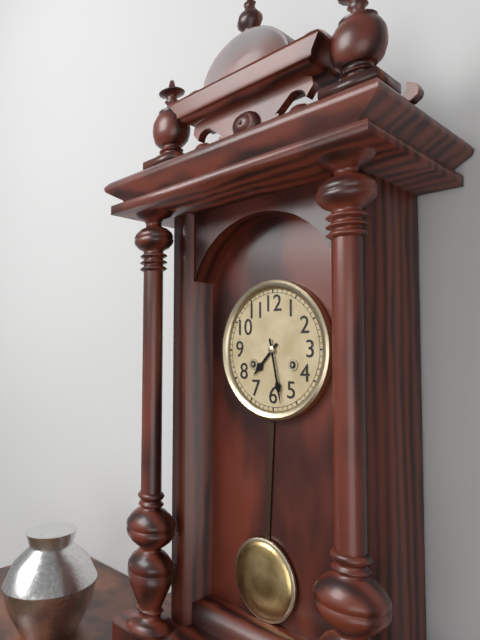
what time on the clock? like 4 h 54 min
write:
7 h 28 min
